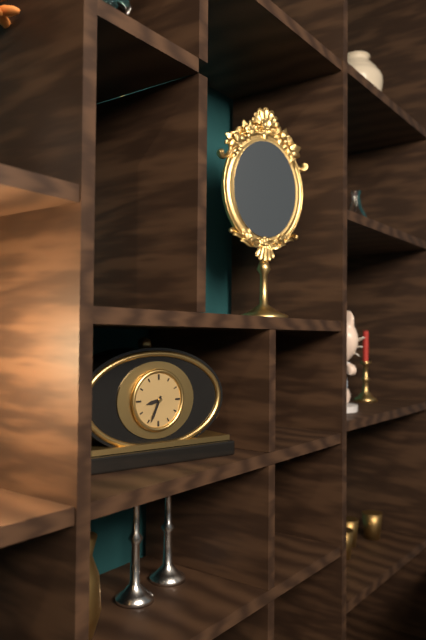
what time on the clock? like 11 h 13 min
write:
8 h 34 min
